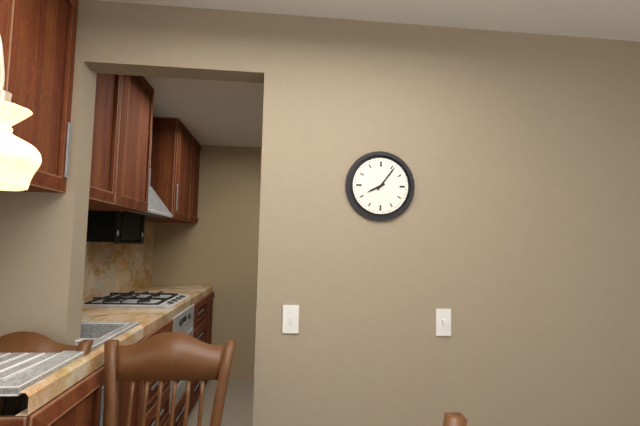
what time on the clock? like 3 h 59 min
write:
8 h 06 min
